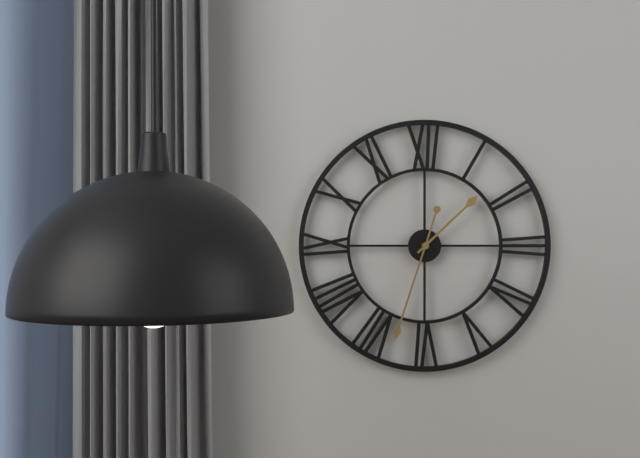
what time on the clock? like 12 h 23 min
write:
1 h 33 min
